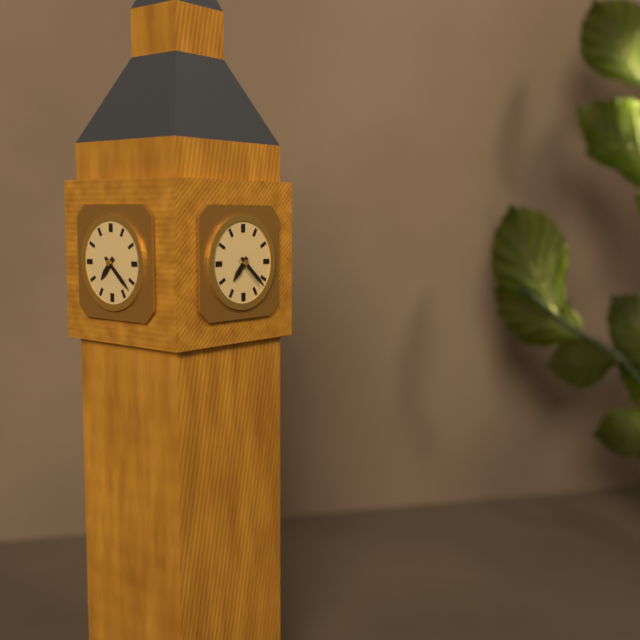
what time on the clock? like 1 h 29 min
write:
7 h 22 min
